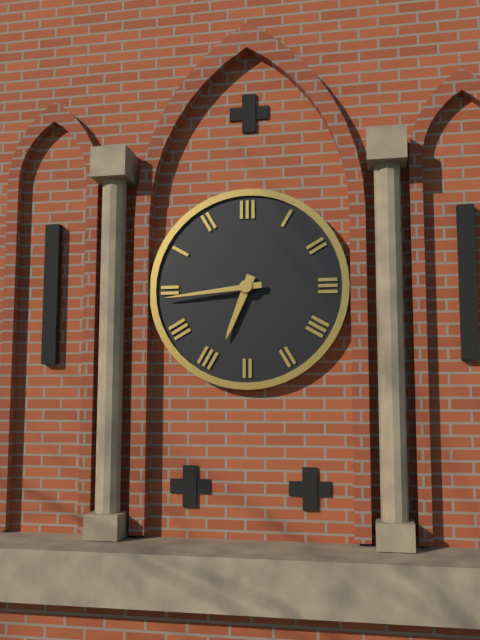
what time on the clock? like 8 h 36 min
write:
6 h 44 min
